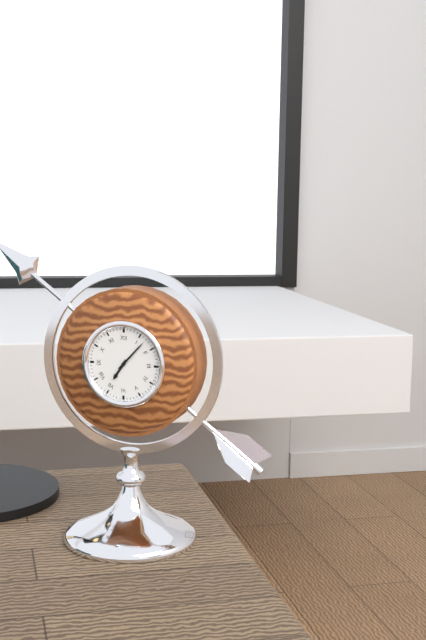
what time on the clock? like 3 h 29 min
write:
7 h 07 min
